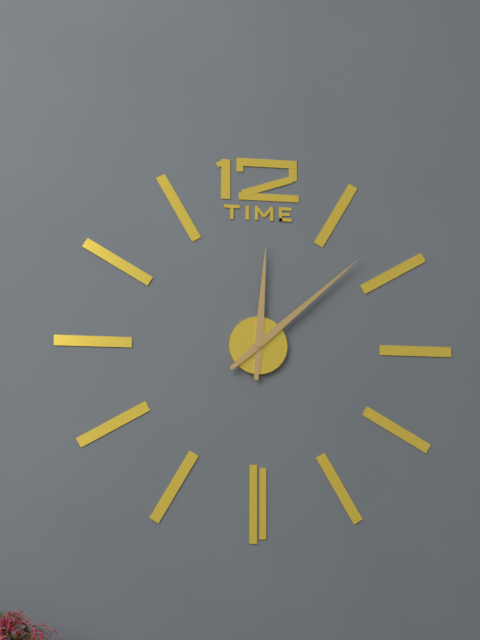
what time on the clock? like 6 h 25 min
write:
12 h 08 min
